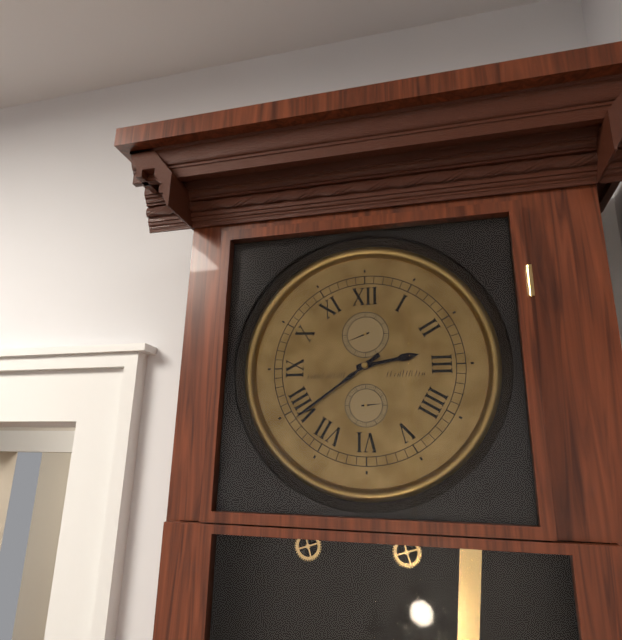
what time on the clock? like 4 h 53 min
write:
2 h 39 min
